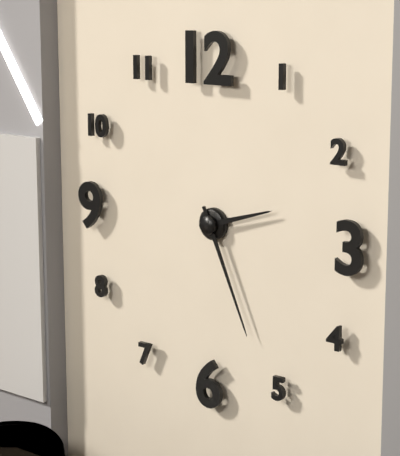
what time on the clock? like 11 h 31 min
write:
2 h 26 min
